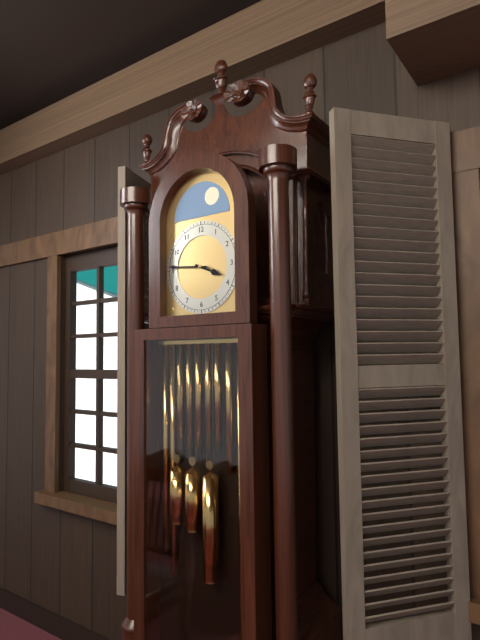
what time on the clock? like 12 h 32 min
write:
3 h 46 min
